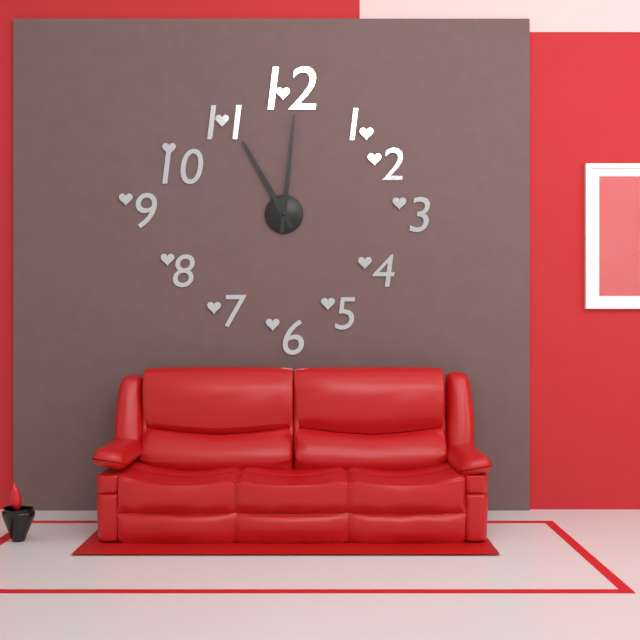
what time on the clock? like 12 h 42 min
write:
11 h 01 min
